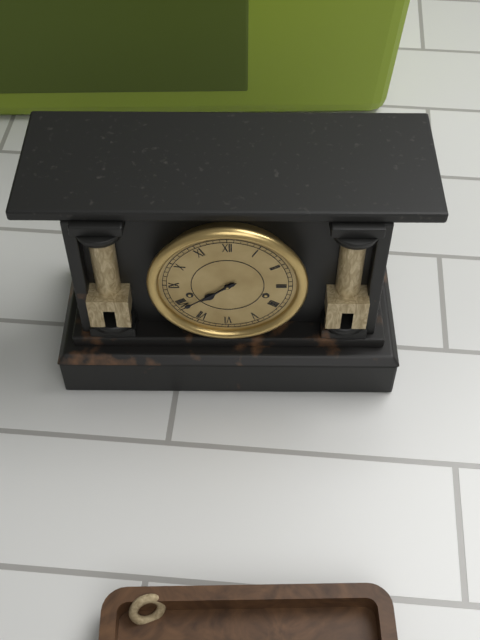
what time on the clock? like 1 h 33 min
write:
7 h 39 min
